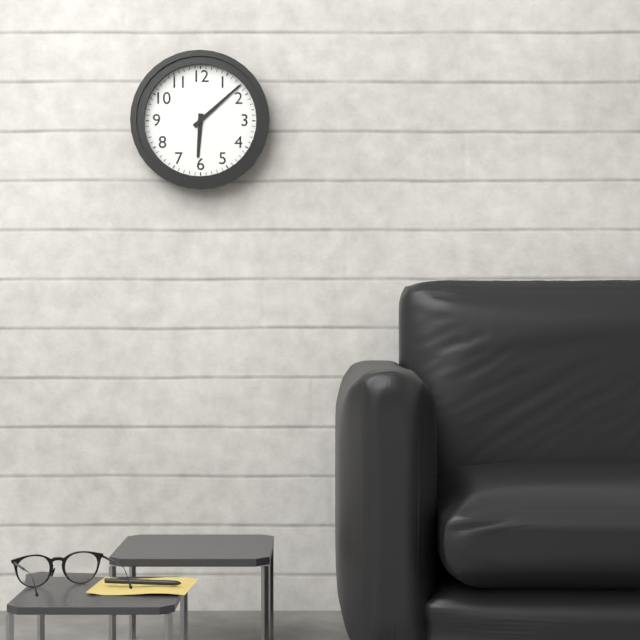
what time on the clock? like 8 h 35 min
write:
6 h 08 min
